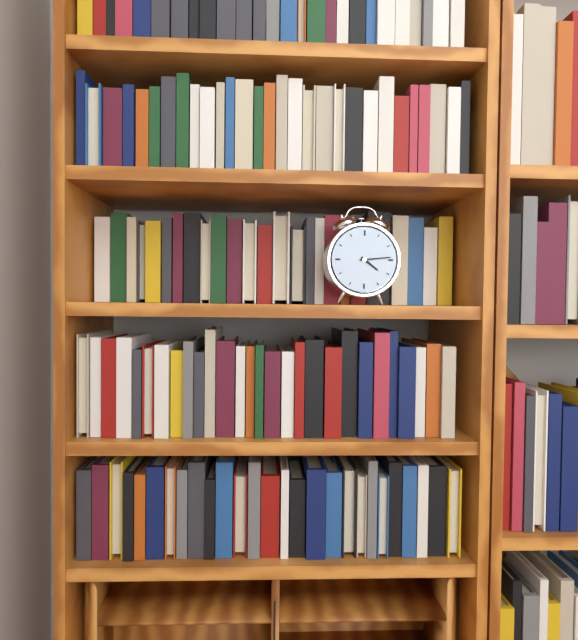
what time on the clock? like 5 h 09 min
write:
4 h 14 min
